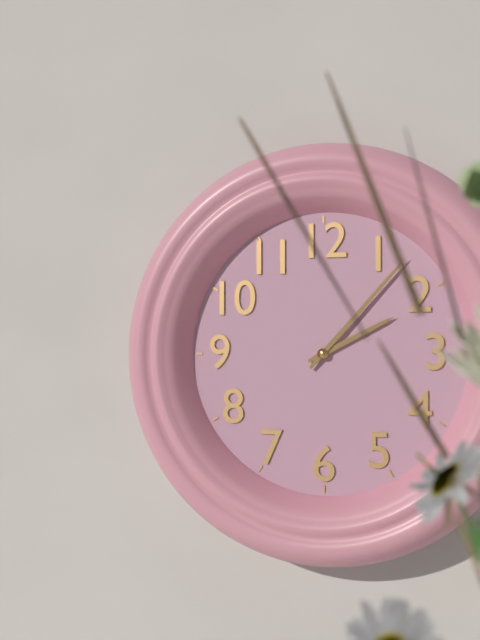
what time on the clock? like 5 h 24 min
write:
2 h 07 min
